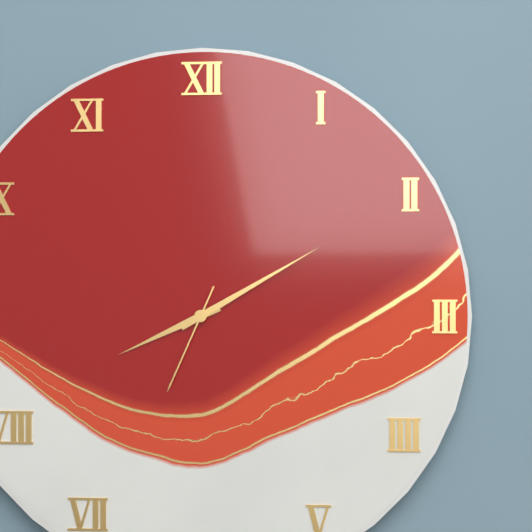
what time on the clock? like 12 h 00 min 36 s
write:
8 h 10 min 34 s
